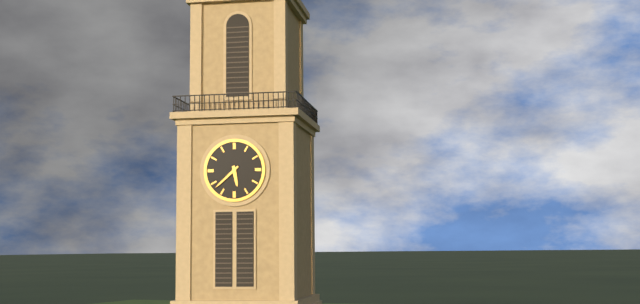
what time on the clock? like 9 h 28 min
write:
5 h 38 min
